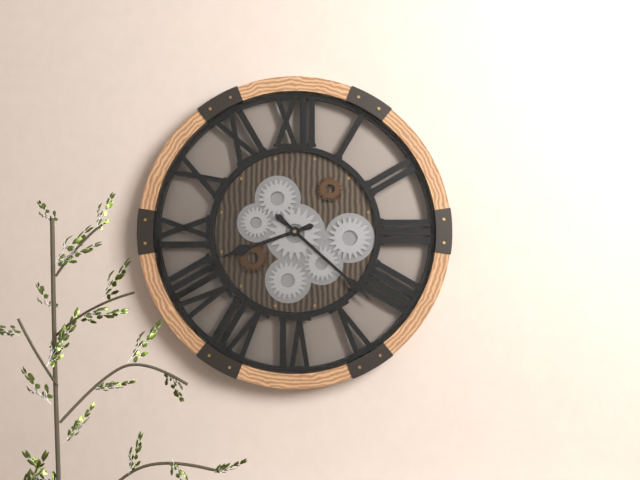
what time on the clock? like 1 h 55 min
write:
8 h 22 min
